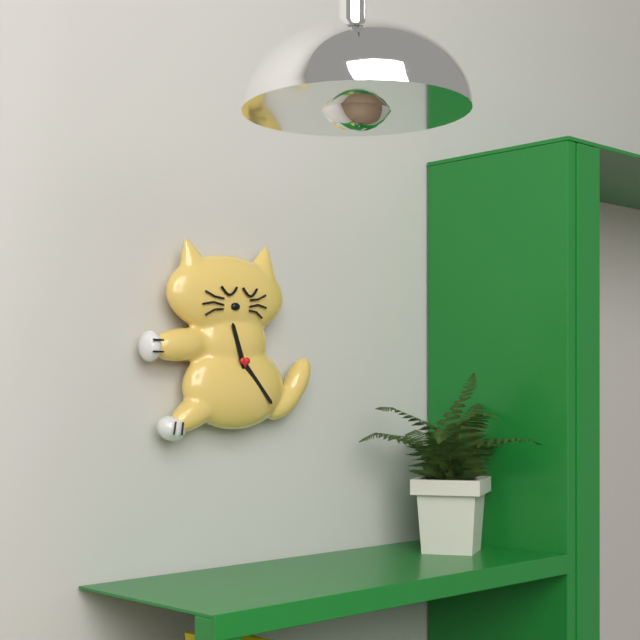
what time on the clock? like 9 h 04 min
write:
11 h 23 min
